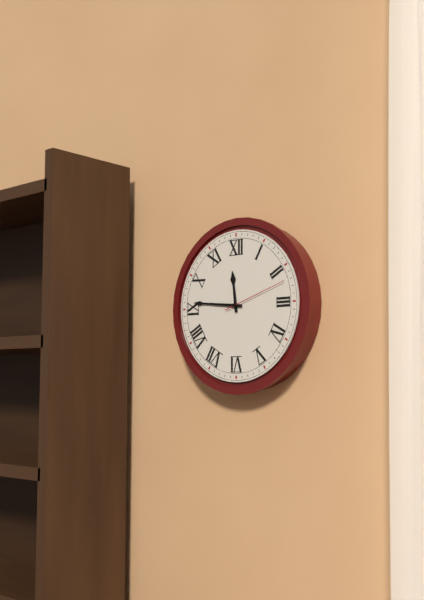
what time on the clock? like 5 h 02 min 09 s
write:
11 h 46 min 12 s
